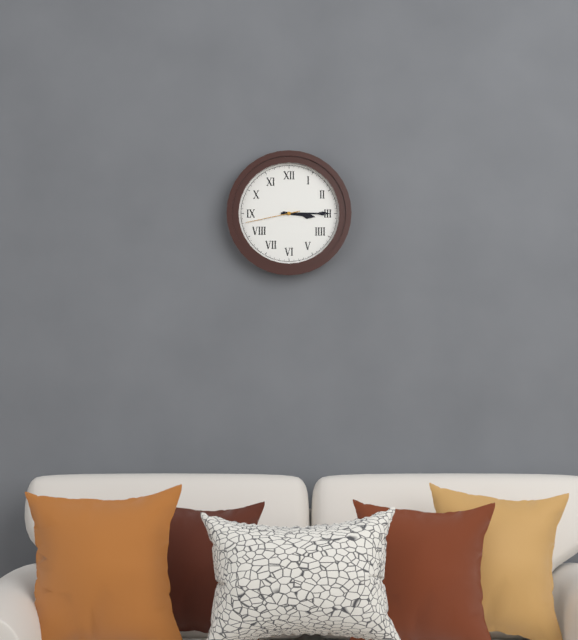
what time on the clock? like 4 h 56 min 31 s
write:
3 h 15 min 43 s
